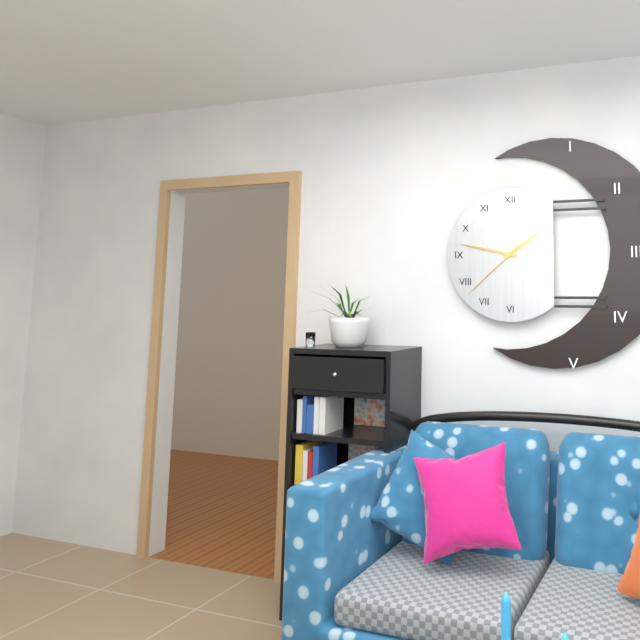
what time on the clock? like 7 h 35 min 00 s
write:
1 h 47 min 38 s
